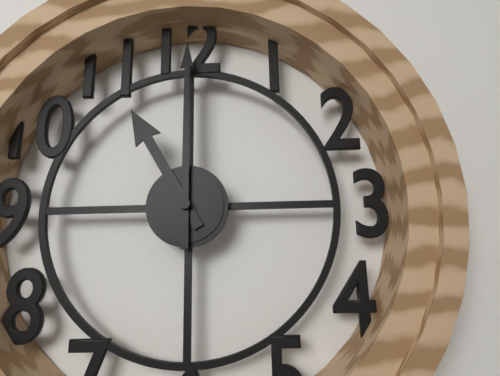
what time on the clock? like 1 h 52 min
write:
11 h 00 min
